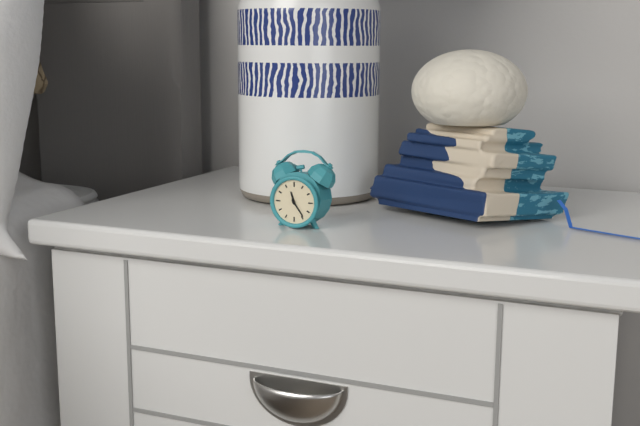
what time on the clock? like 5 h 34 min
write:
11 h 24 min
